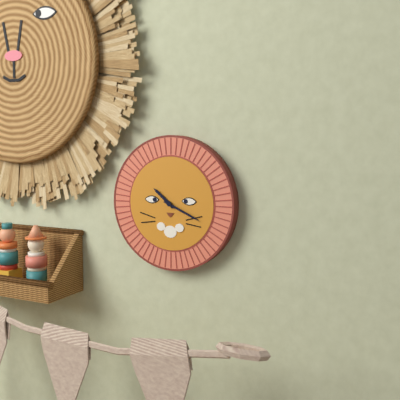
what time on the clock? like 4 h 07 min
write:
10 h 19 min
